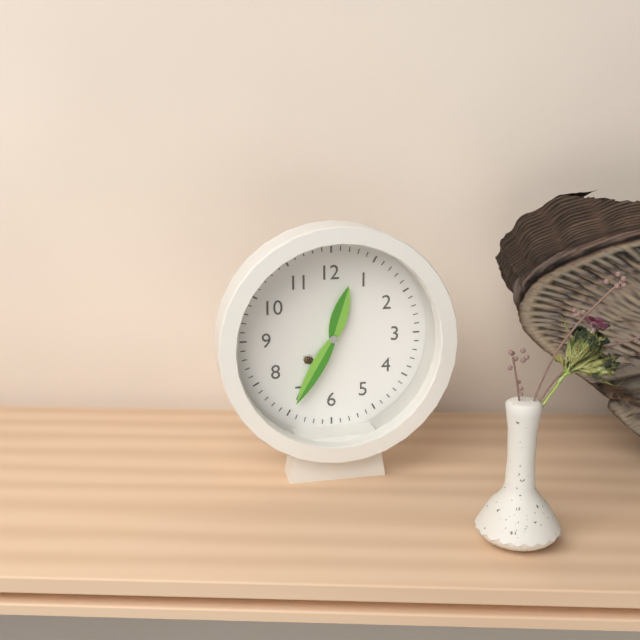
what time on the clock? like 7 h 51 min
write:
12 h 35 min
